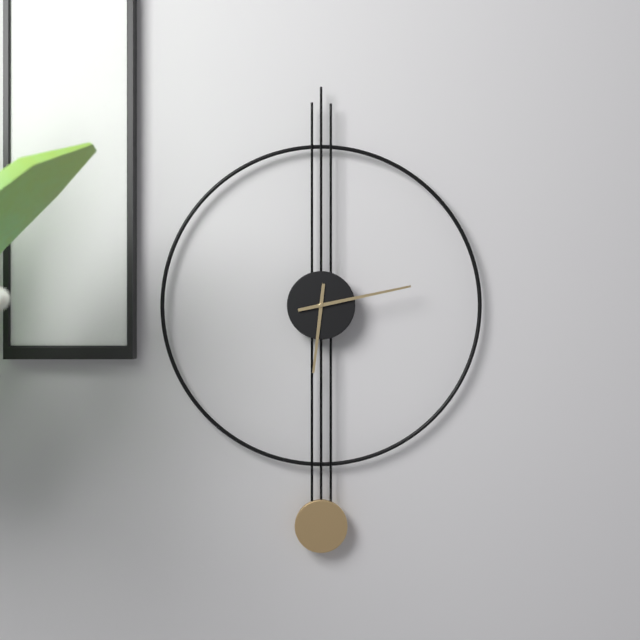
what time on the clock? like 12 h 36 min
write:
6 h 13 min
